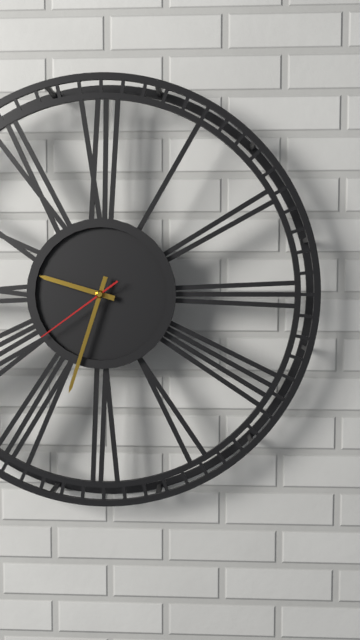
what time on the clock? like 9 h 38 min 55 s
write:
9 h 33 min 39 s
